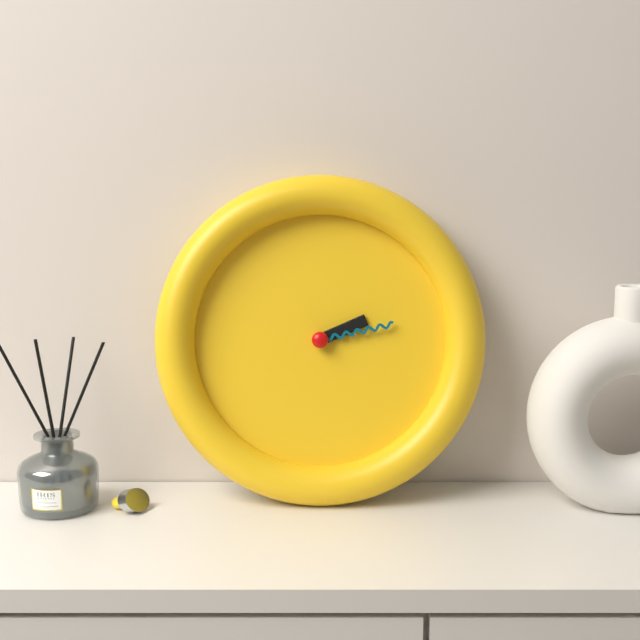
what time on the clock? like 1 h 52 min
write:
2 h 13 min
